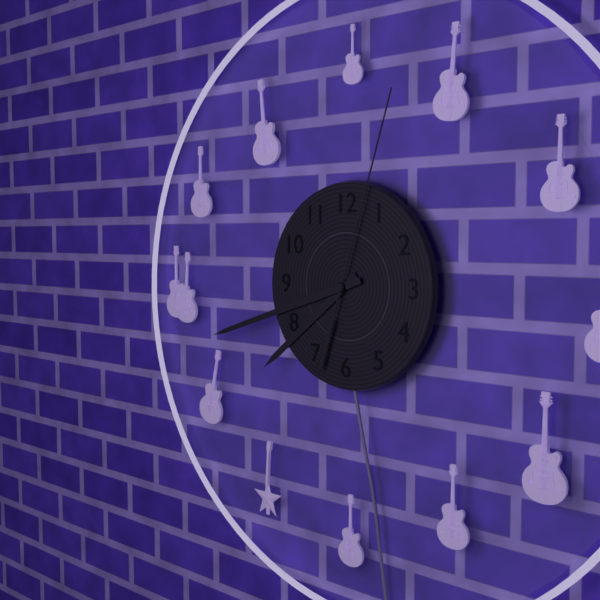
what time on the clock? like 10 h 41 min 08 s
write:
7 h 42 min 03 s
